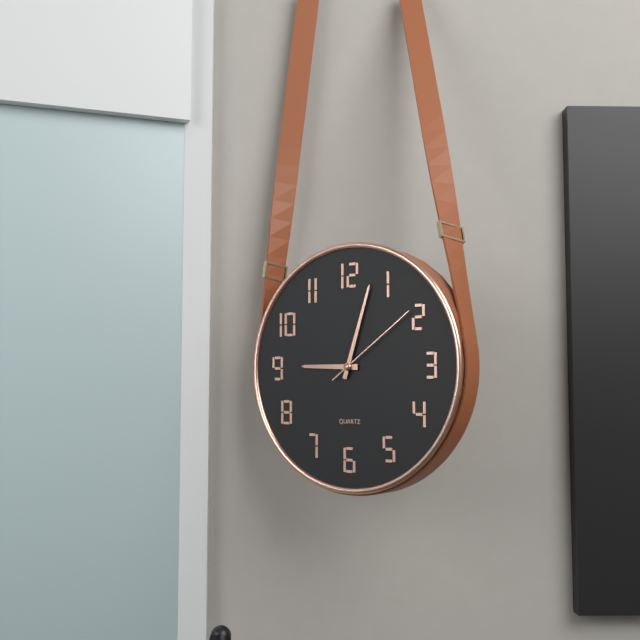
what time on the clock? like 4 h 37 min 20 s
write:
9 h 03 min 09 s
